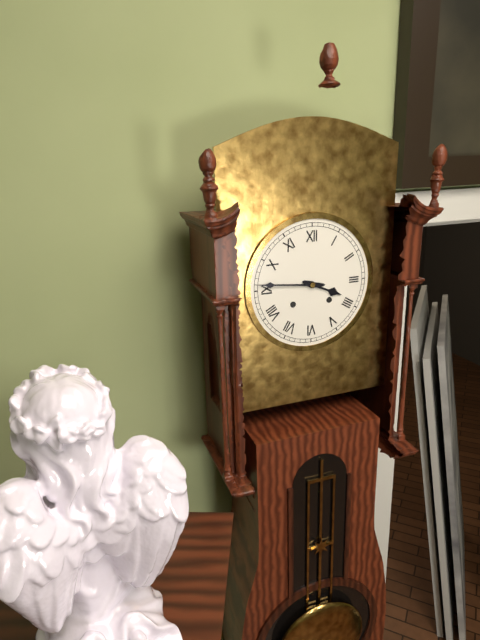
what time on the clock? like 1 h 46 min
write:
3 h 46 min
